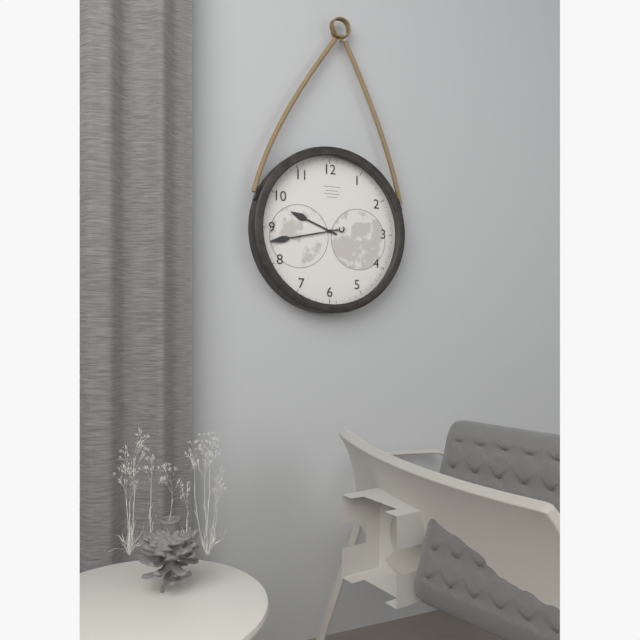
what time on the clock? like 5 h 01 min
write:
9 h 43 min
